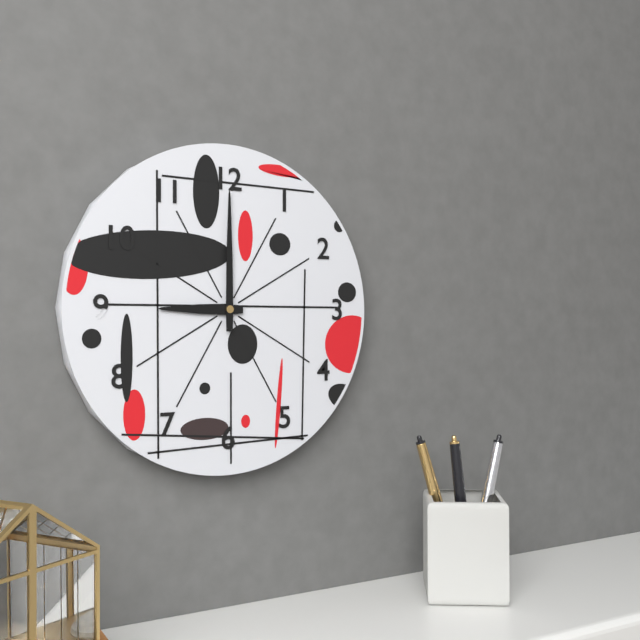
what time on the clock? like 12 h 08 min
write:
9 h 00 min
